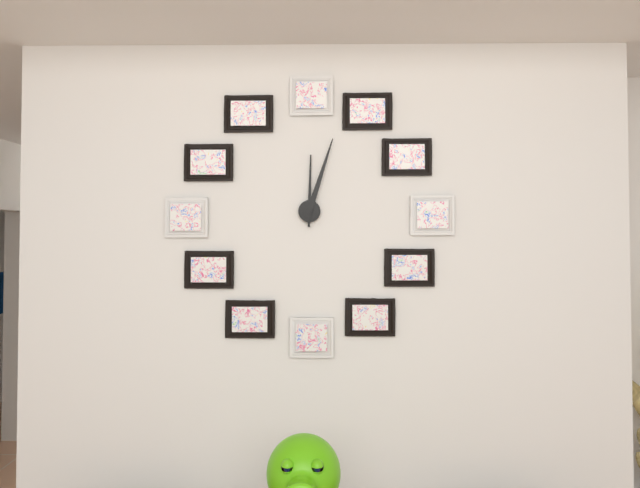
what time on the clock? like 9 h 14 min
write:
12 h 03 min
